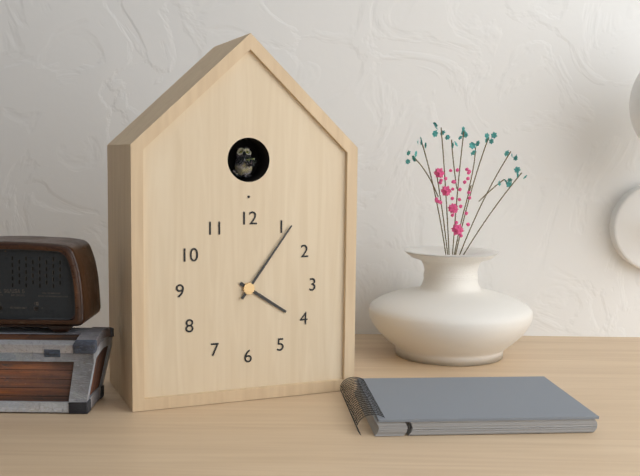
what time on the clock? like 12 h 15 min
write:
4 h 06 min
